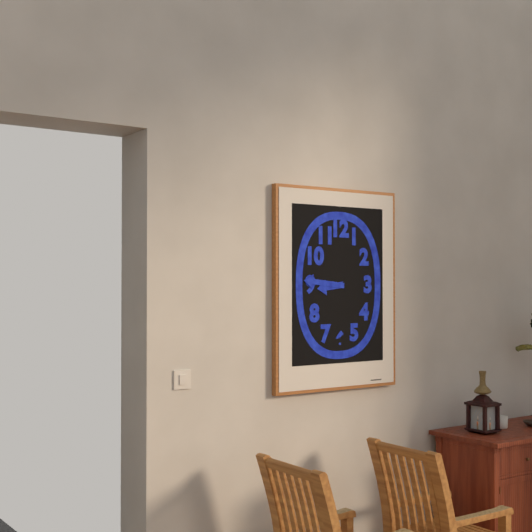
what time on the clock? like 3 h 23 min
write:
8 h 46 min
